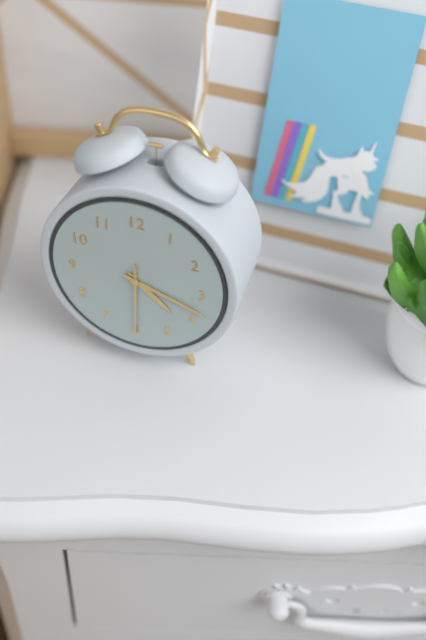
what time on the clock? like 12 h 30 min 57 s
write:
4 h 18 min 30 s
